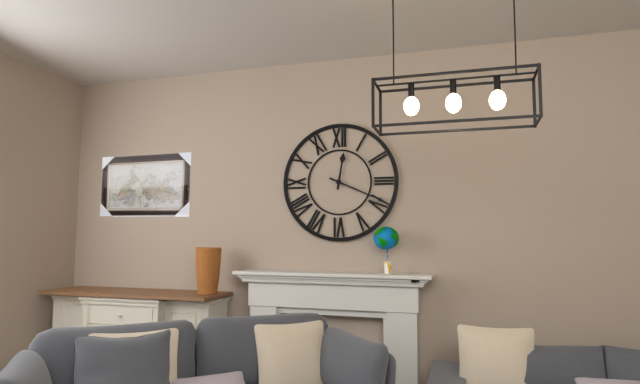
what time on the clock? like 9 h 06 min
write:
12 h 19 min
